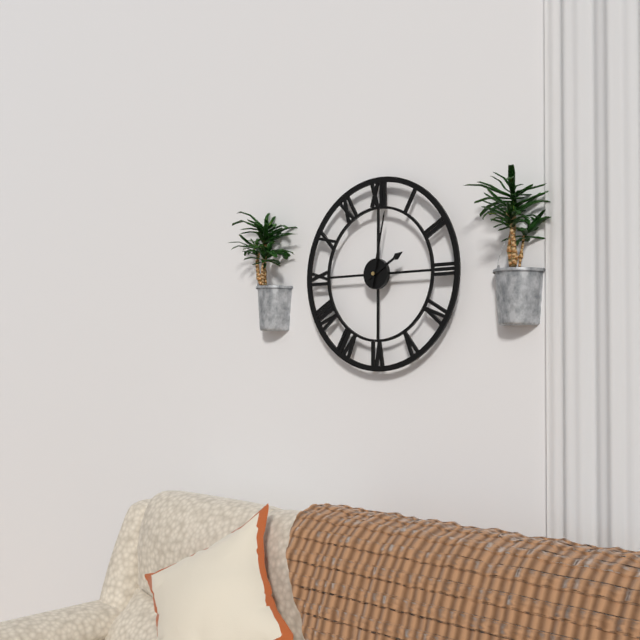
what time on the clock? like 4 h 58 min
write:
2 h 02 min
